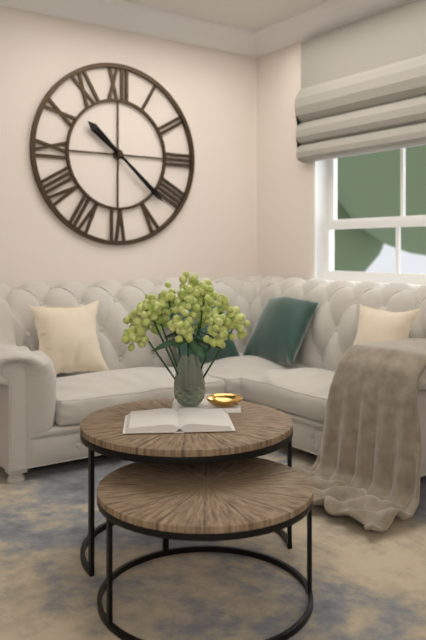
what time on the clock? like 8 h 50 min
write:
10 h 22 min
